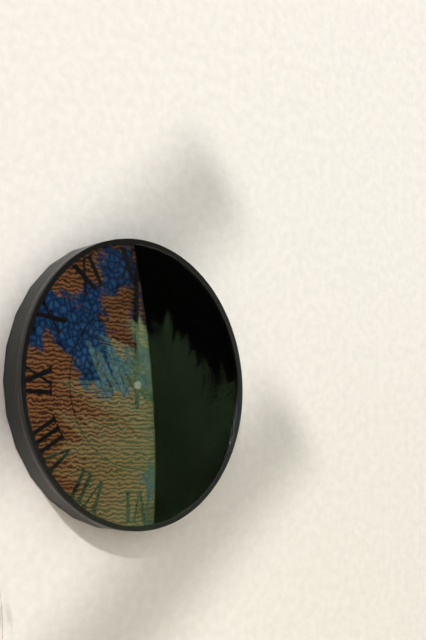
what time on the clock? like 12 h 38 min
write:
4 h 00 min
